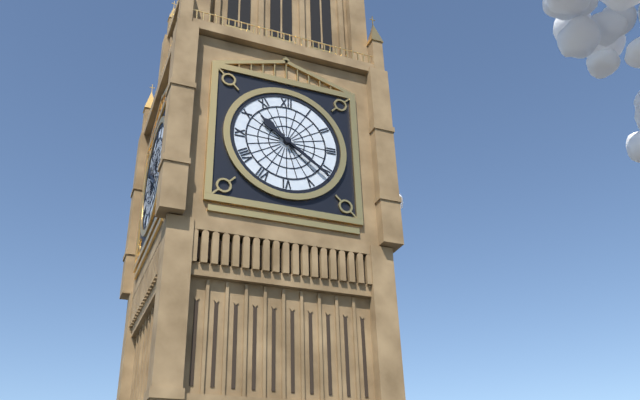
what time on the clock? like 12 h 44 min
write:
10 h 21 min
